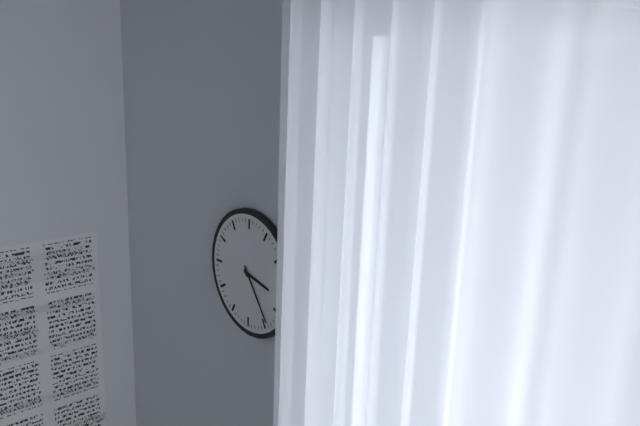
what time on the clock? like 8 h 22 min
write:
3 h 24 min
